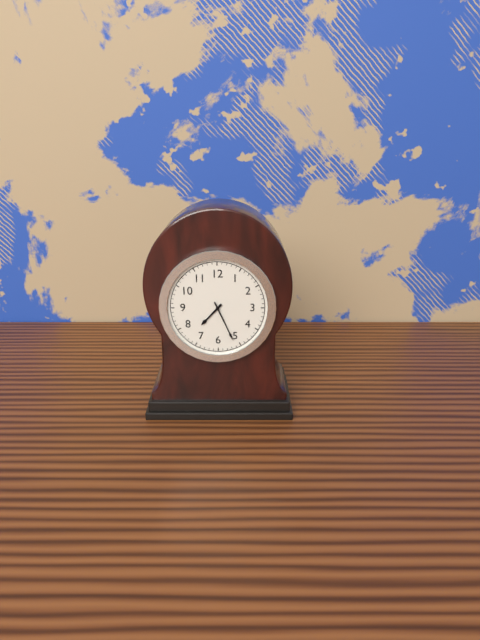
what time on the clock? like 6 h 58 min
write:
7 h 26 min
